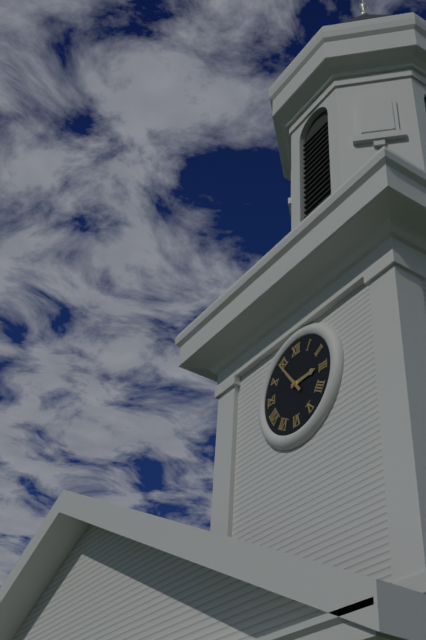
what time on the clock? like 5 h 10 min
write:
2 h 54 min
